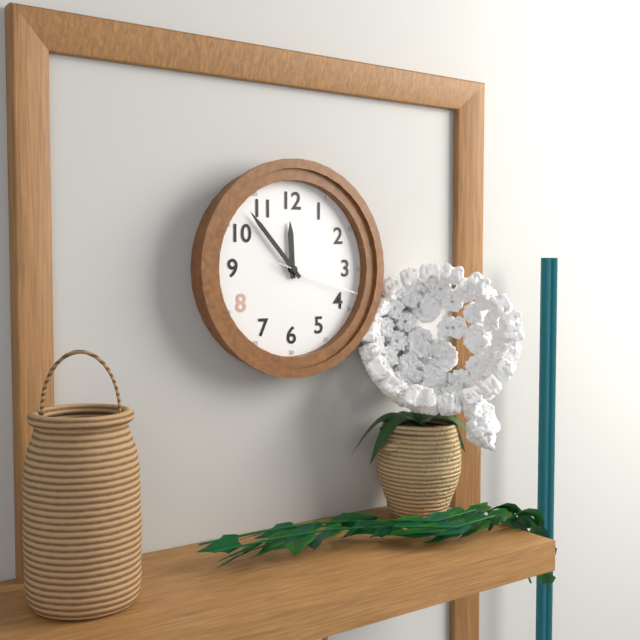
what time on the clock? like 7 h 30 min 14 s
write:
11 h 53 min 18 s
